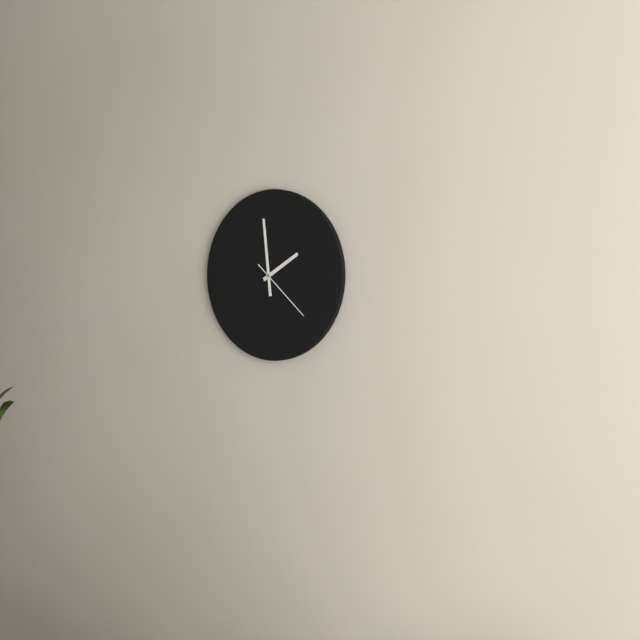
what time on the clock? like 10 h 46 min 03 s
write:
1 h 59 min 22 s
